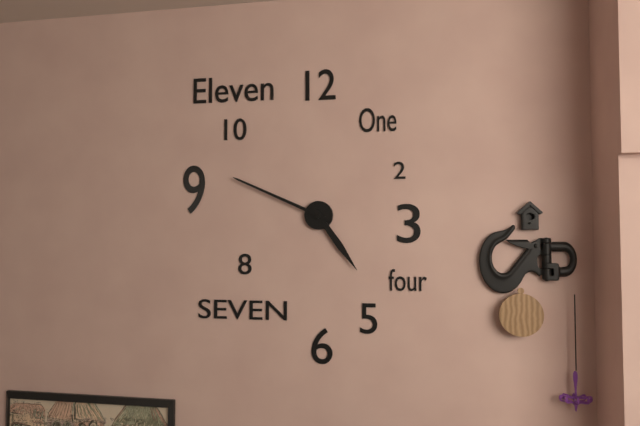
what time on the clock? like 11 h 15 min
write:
4 h 49 min
